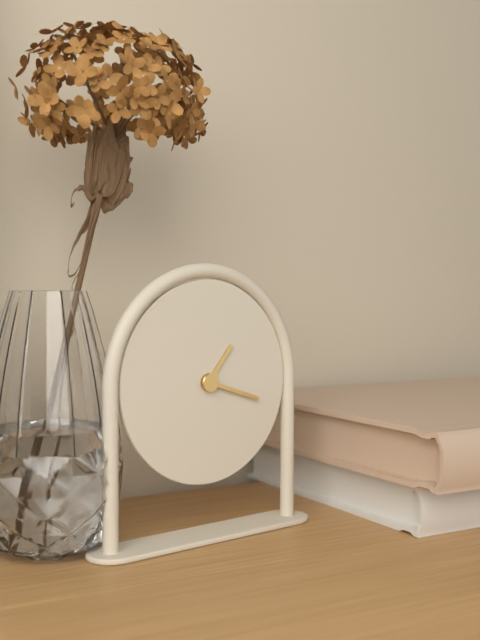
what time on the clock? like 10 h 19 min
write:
1 h 18 min
